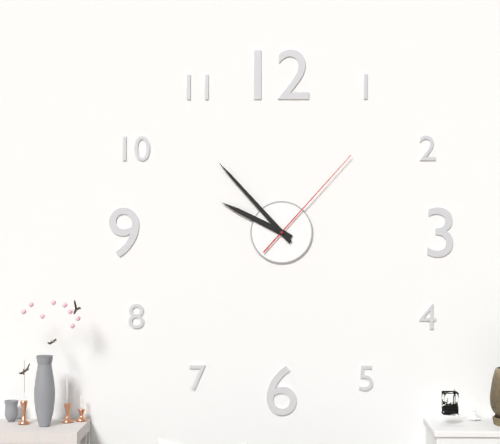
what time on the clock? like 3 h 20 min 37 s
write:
9 h 53 min 07 s
